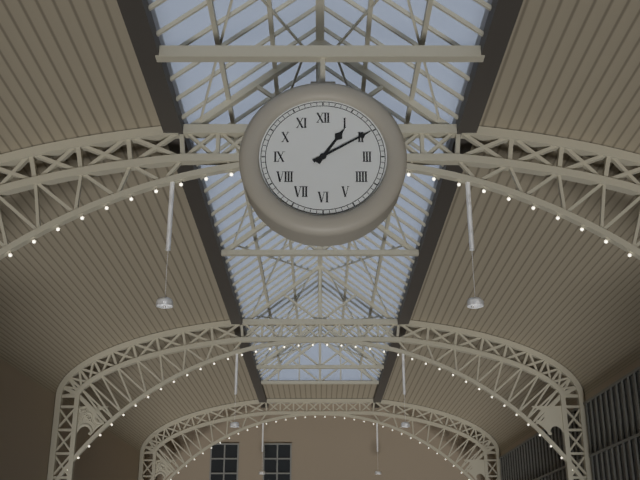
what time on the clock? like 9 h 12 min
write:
1 h 10 min
